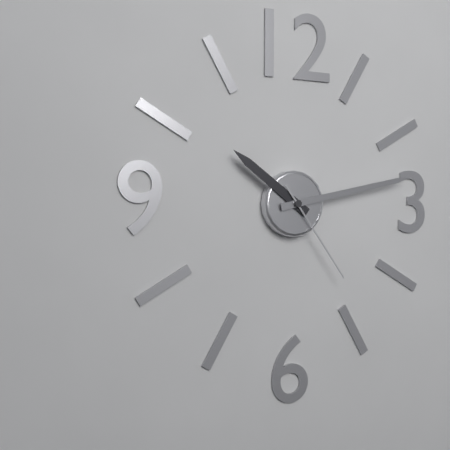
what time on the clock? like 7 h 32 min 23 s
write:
10 h 13 min 24 s
